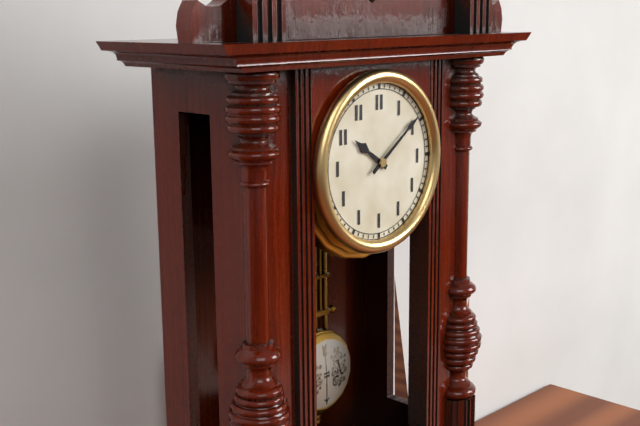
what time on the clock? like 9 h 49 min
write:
10 h 09 min
